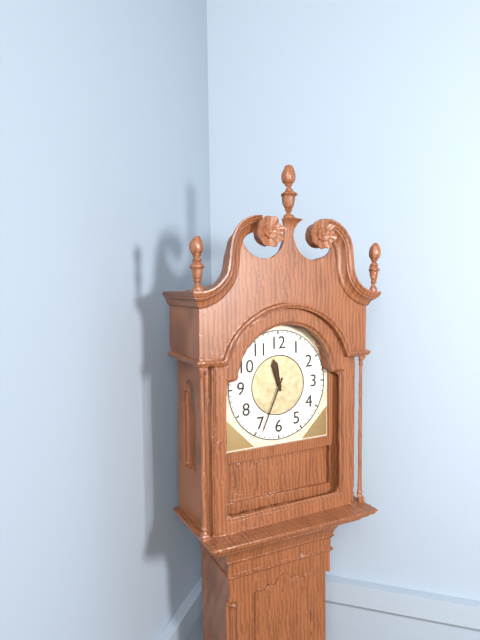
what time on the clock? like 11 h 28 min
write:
11 h 34 min
